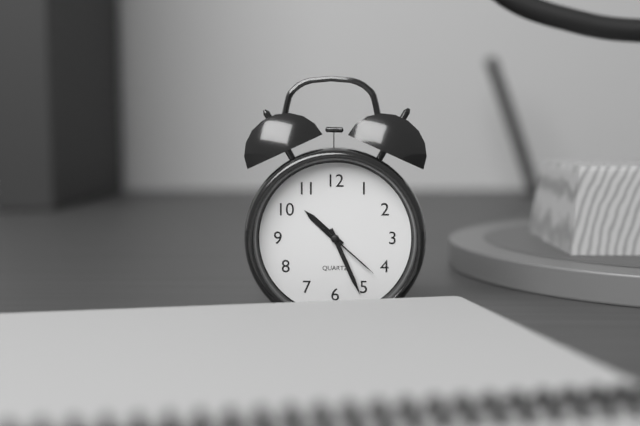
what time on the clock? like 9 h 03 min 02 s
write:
10 h 26 min 22 s
